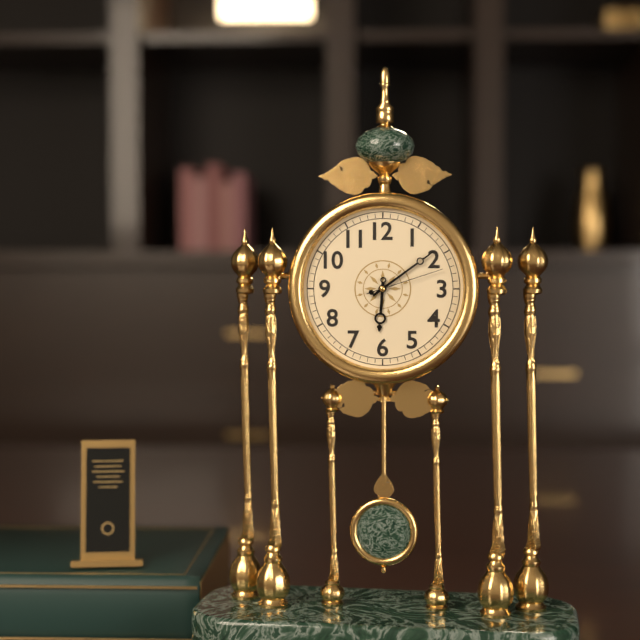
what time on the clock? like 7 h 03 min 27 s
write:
6 h 09 min 12 s
